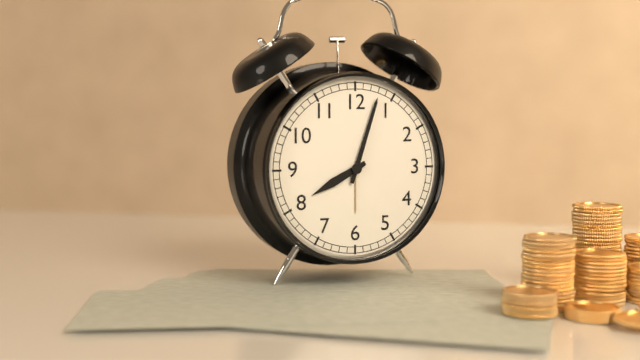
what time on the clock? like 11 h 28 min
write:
8 h 03 min
